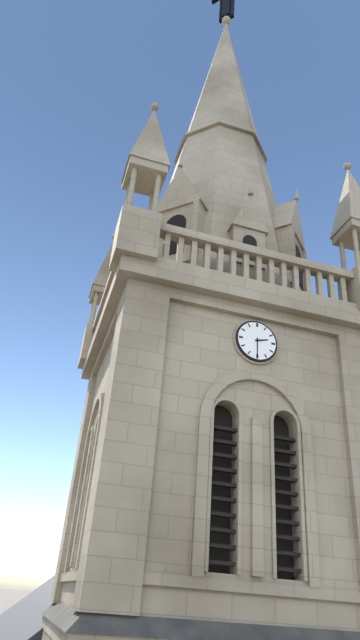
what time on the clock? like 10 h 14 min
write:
2 h 30 min
